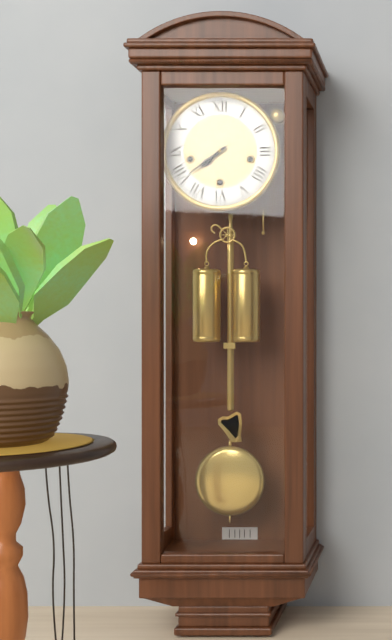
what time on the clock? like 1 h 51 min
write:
7 h 39 min
